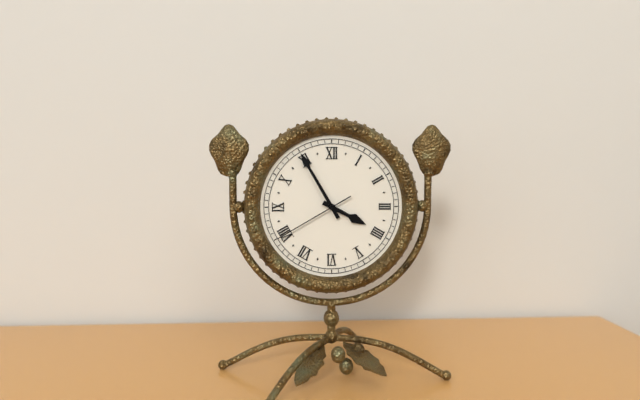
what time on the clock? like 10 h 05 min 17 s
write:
3 h 55 min 40 s
